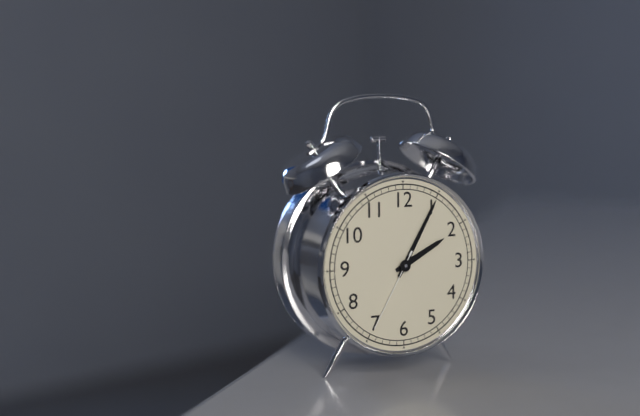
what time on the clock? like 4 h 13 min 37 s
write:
2 h 05 min 35 s
